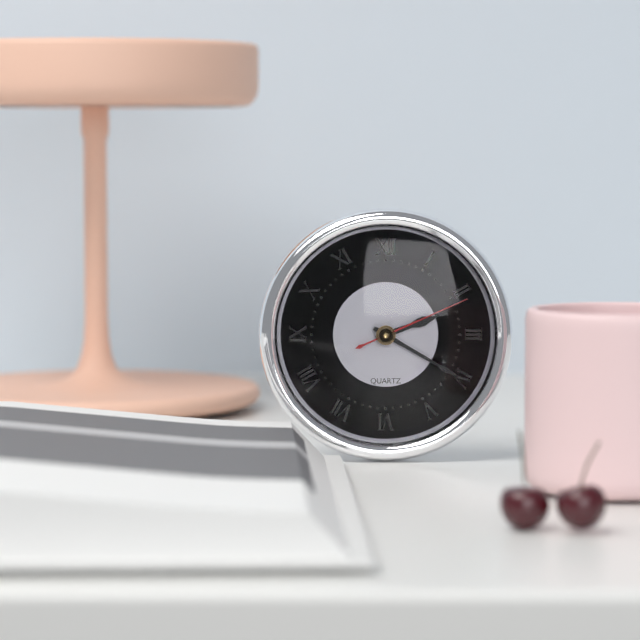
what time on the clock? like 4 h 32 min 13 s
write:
2 h 20 min 11 s
